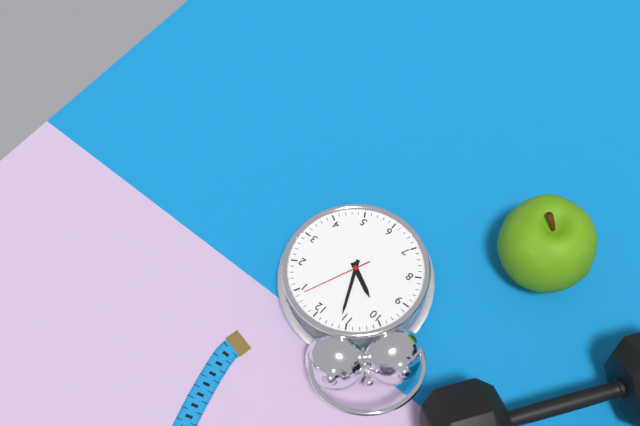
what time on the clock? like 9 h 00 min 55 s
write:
9 h 56 min 04 s
